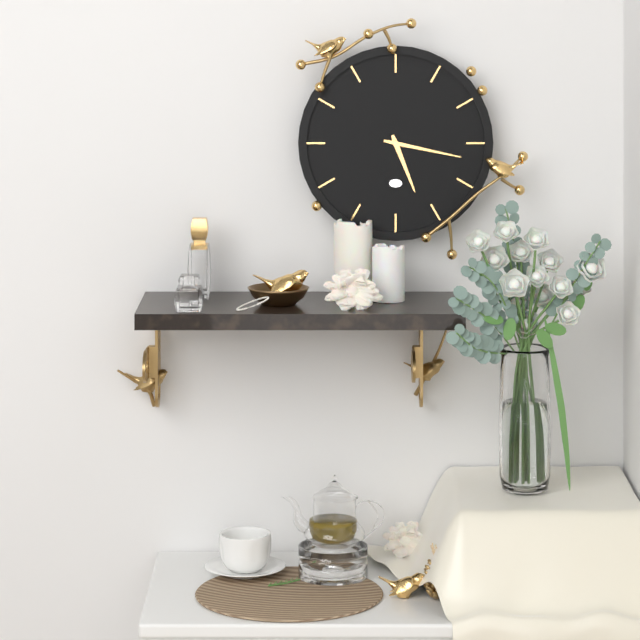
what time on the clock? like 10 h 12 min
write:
5 h 17 min
